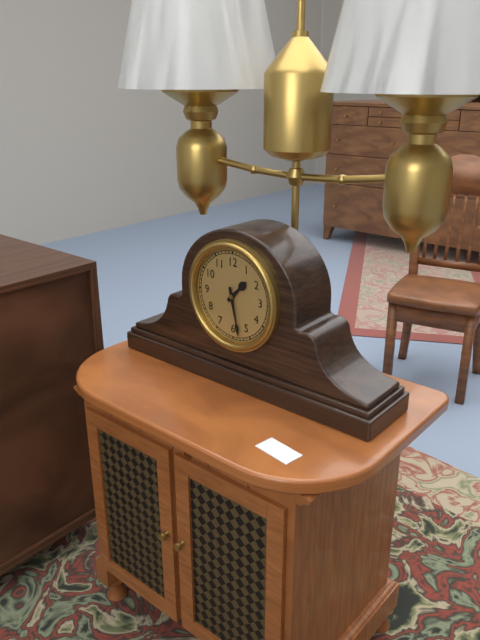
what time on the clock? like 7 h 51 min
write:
1 h 28 min
